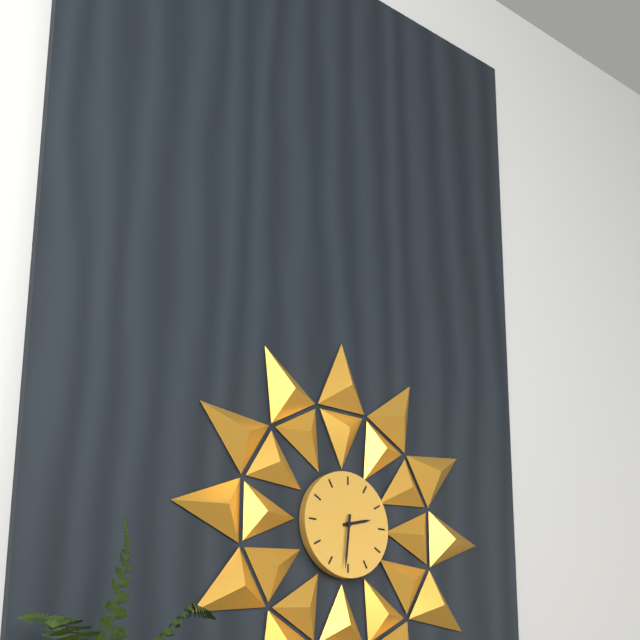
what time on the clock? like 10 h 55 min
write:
2 h 31 min
